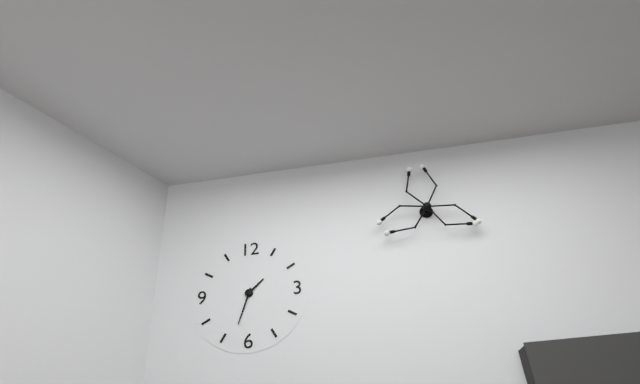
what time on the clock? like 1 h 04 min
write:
1 h 33 min
